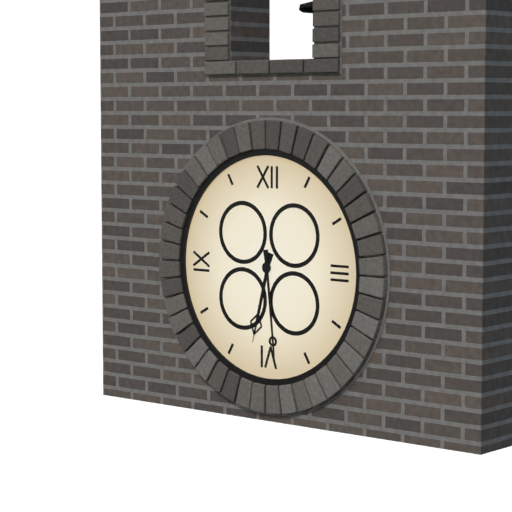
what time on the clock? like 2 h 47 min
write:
6 h 29 min
